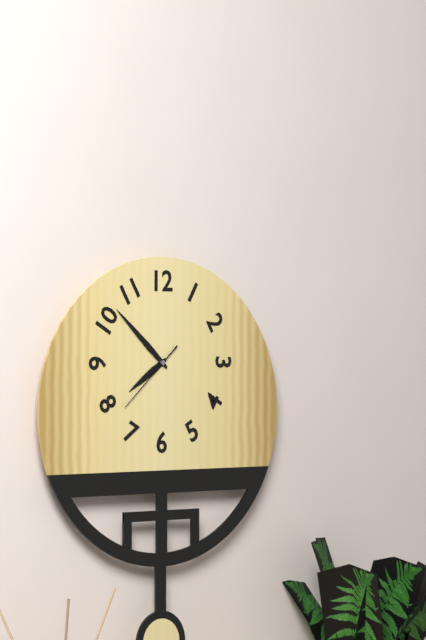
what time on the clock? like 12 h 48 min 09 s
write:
7 h 52 min 38 s
